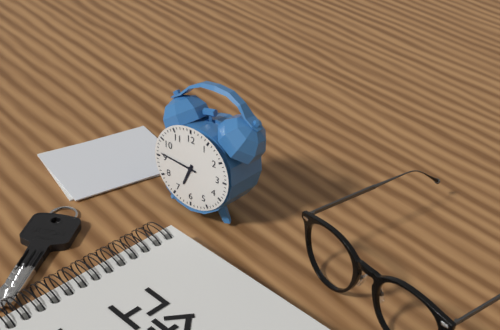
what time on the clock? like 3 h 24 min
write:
6 h 46 min
